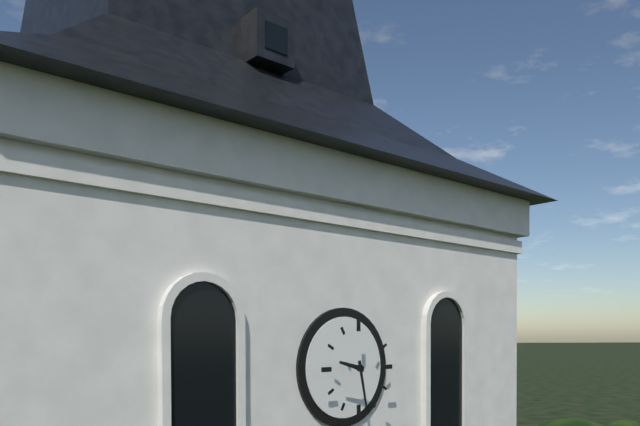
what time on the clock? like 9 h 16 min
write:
9 h 28 min
